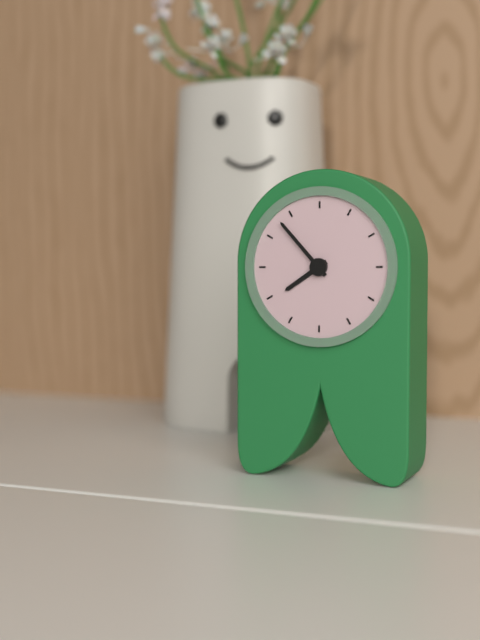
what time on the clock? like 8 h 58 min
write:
7 h 53 min
